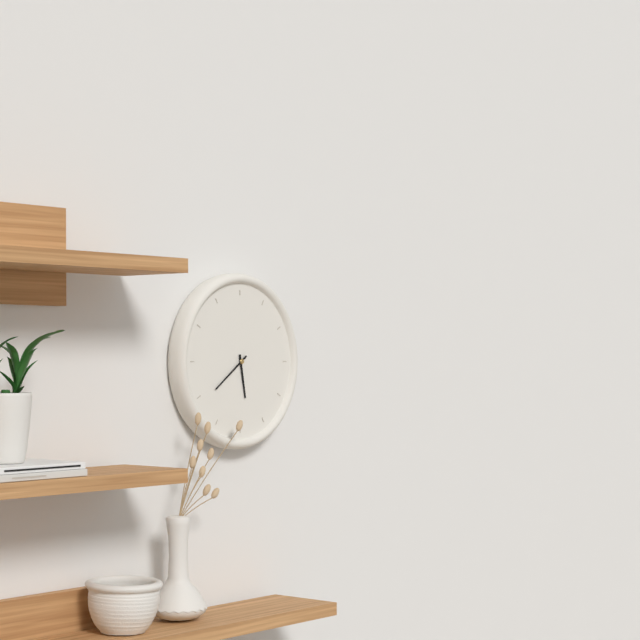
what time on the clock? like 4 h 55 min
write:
5 h 39 min
